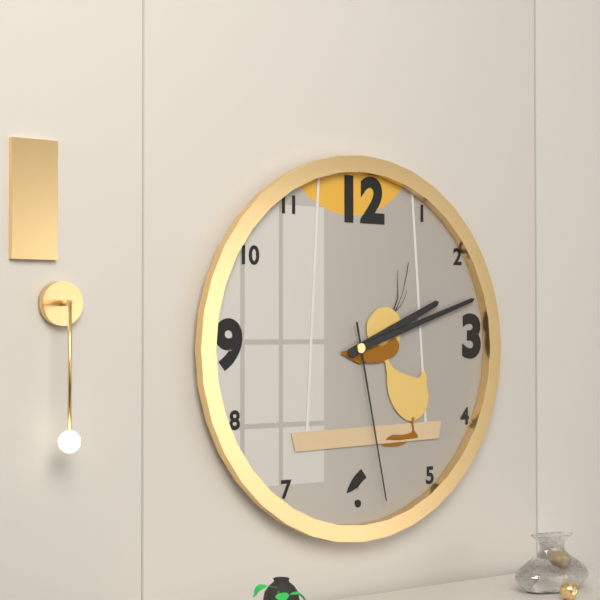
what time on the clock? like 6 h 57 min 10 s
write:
2 h 12 min 28 s
